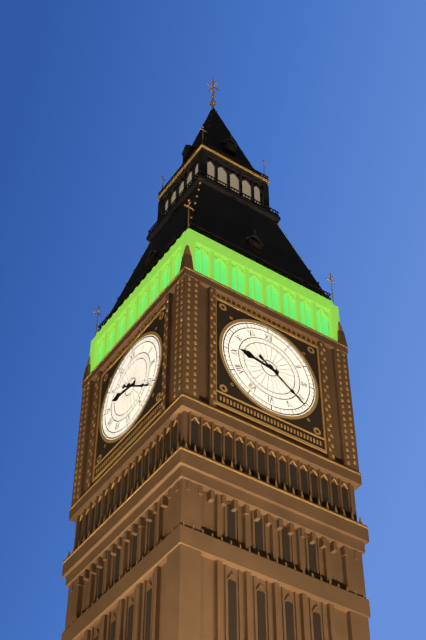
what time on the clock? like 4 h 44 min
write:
9 h 21 min
